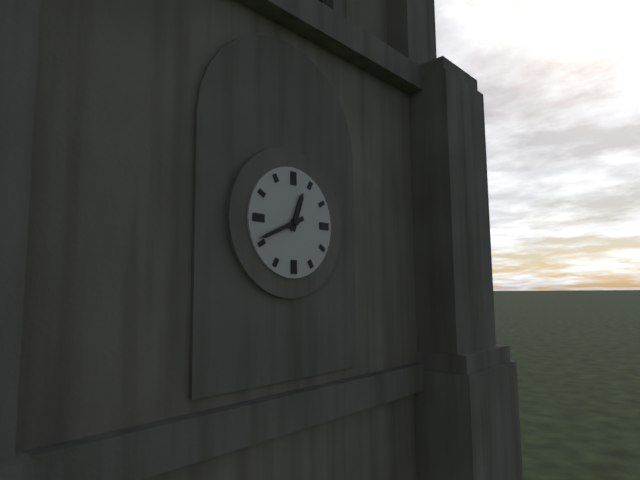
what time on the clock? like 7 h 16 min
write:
12 h 41 min
